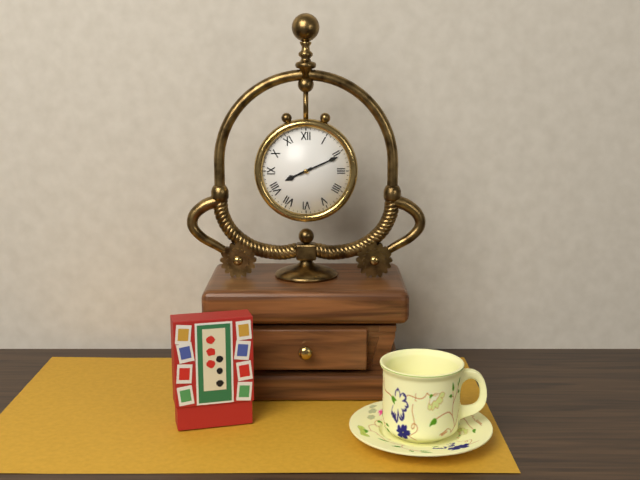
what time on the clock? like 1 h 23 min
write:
8 h 11 min
